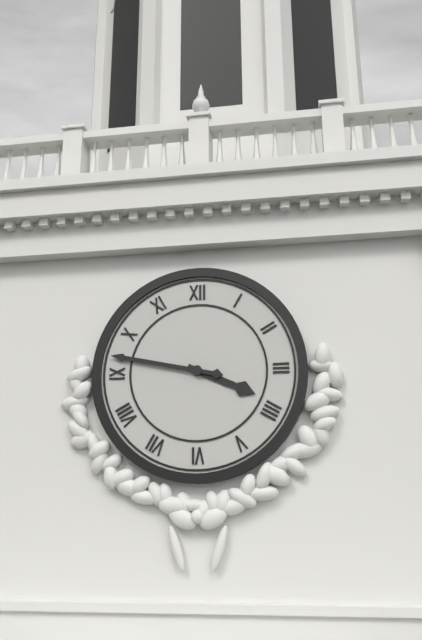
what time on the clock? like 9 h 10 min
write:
3 h 47 min
